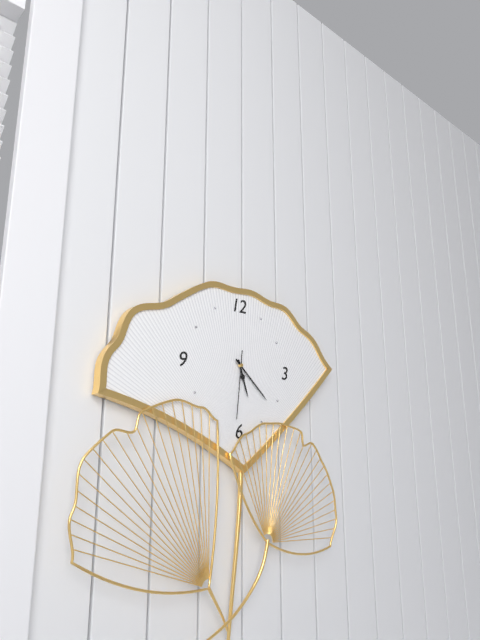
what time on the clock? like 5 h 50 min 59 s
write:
5 h 22 min 31 s
